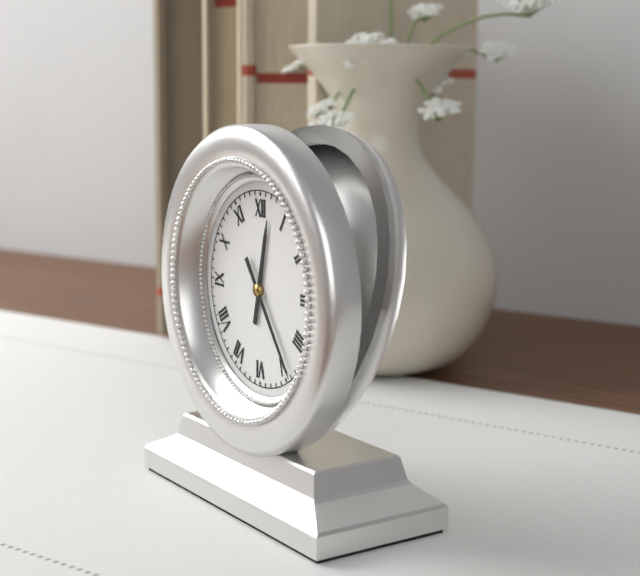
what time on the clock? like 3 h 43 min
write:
12 h 24 min
